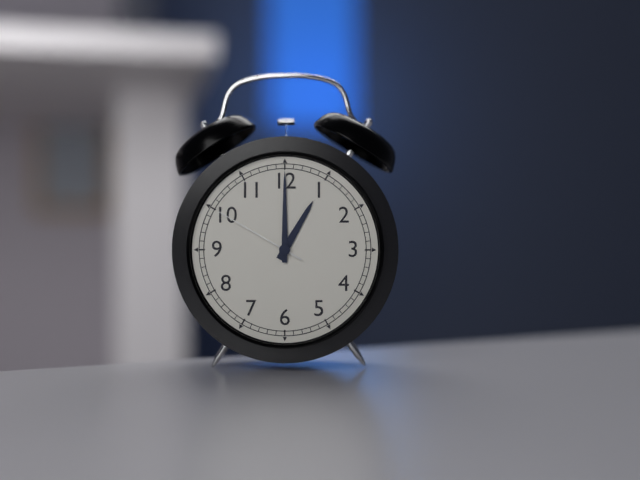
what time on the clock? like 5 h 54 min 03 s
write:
1 h 00 min 50 s
